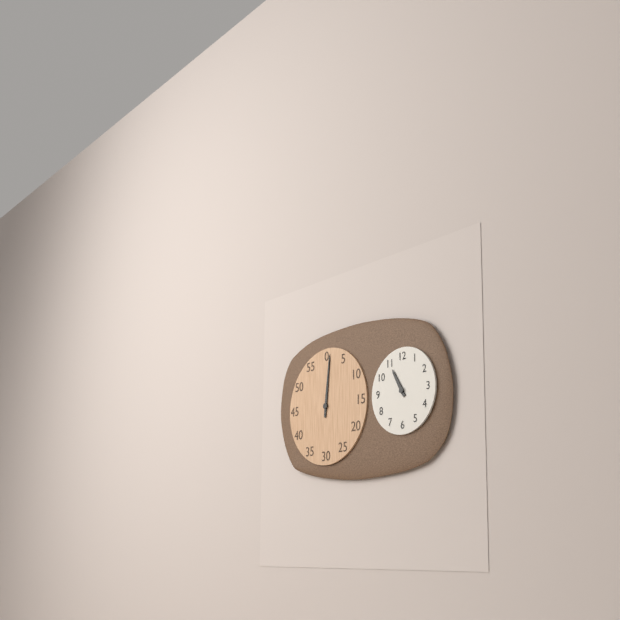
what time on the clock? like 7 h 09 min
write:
11 h 01 min
